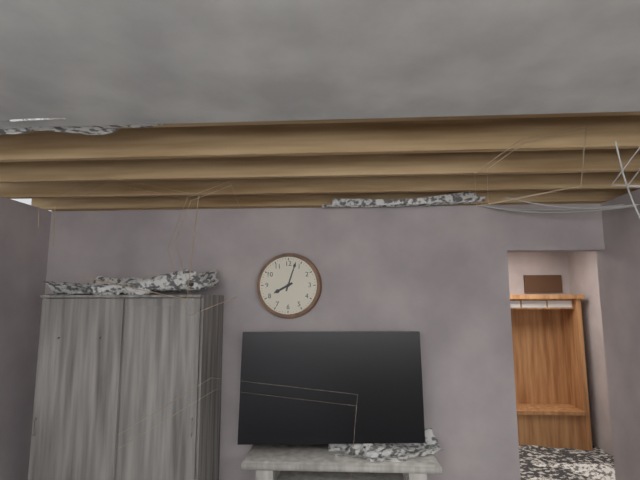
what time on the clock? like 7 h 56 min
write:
8 h 03 min
